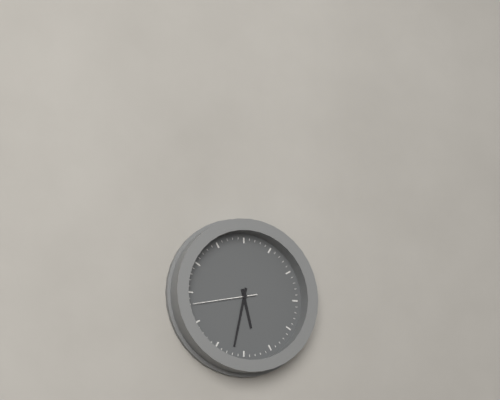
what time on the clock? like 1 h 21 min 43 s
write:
5 h 32 min 43 s
